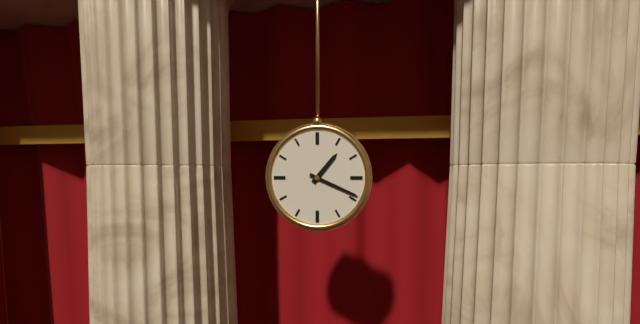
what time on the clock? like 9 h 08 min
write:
1 h 19 min
